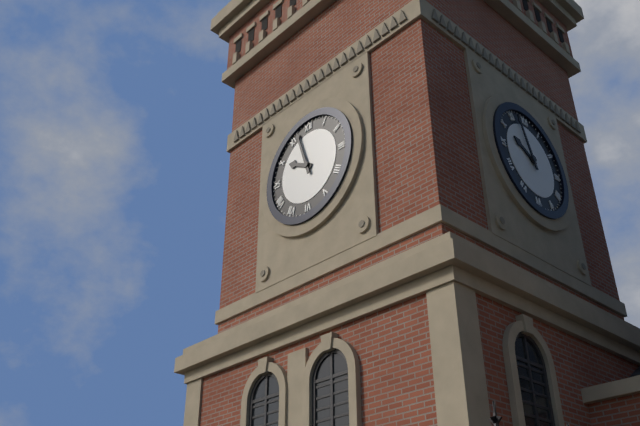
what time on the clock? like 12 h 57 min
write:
9 h 57 min
